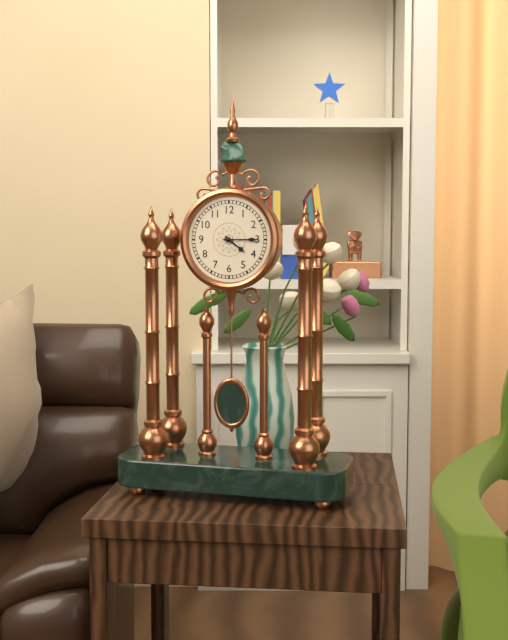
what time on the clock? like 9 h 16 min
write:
4 h 15 min
